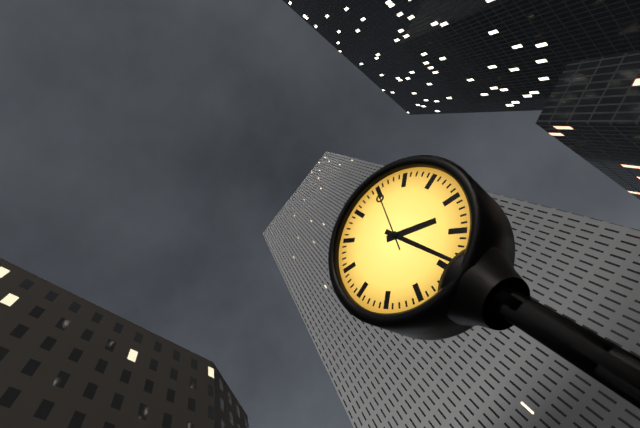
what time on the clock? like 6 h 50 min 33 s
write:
4 h 29 min 05 s
